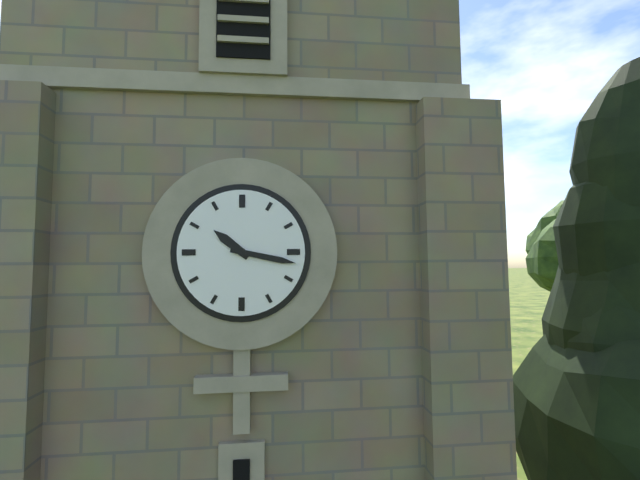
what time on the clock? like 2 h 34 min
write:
10 h 17 min
